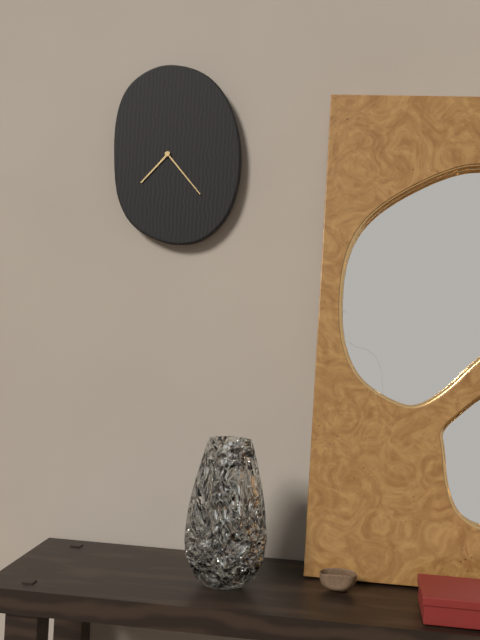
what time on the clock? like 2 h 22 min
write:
7 h 23 min
